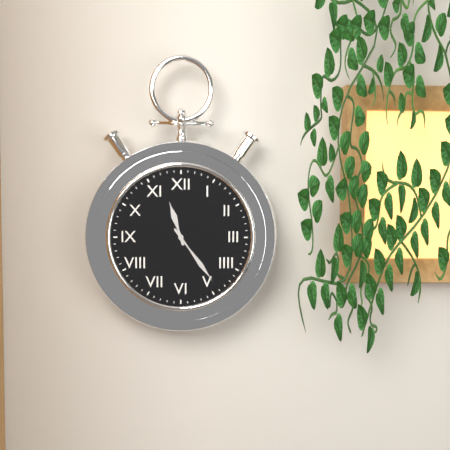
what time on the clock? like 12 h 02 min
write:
11 h 24 min
